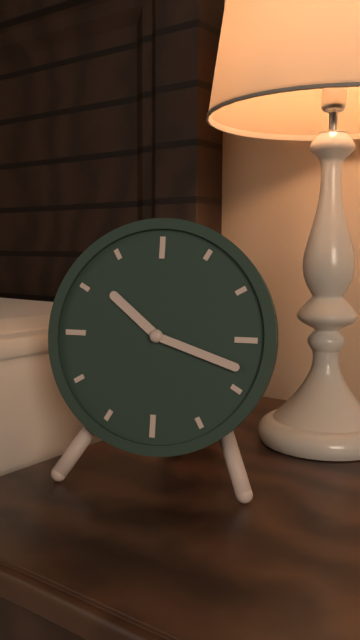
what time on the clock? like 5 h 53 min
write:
10 h 18 min
